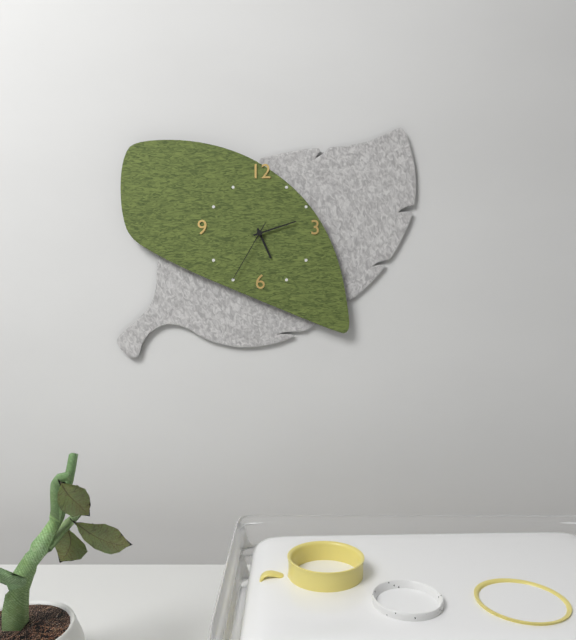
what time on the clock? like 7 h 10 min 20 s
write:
5 h 12 min 35 s
